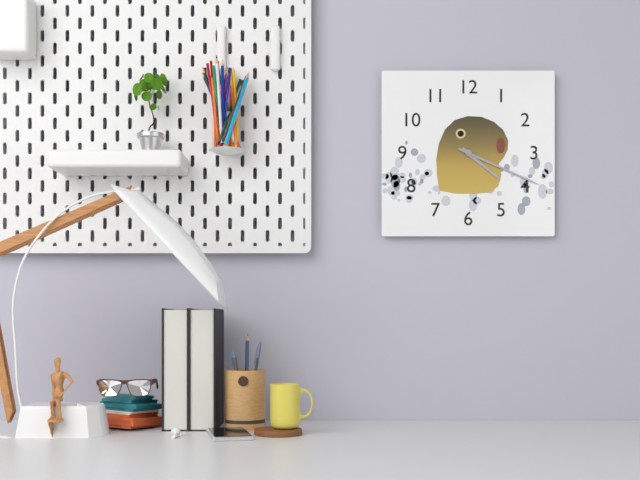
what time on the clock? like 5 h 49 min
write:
4 h 19 min
